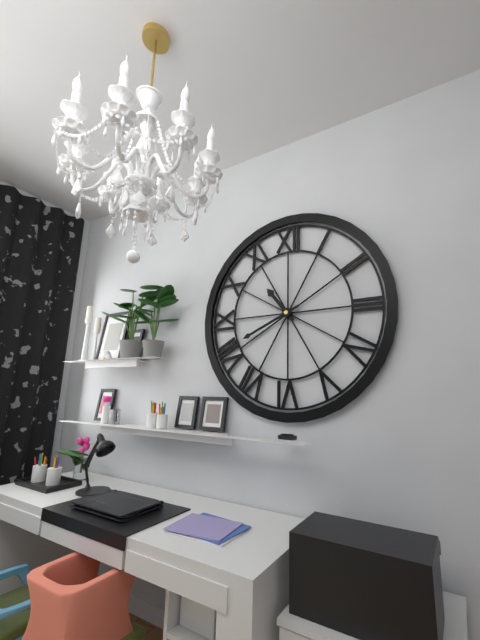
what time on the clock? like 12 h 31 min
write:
10 h 41 min
